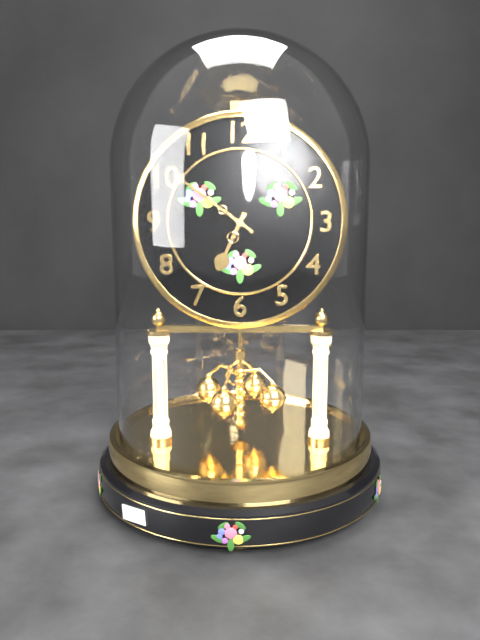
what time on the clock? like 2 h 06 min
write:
6 h 51 min
